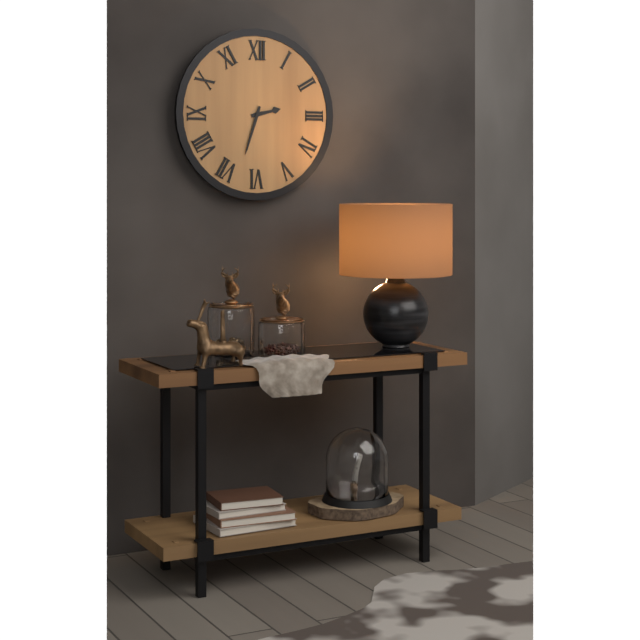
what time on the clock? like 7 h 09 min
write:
2 h 33 min
